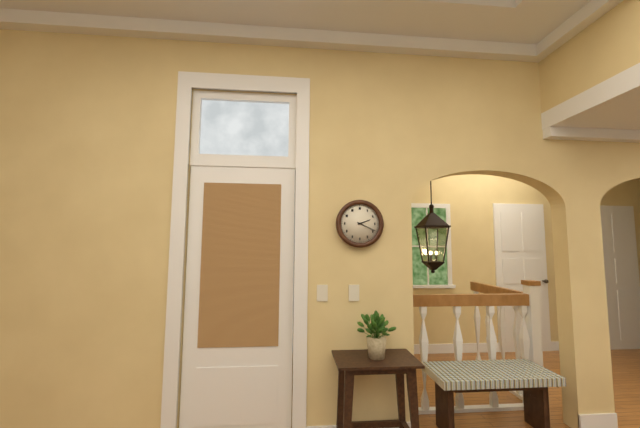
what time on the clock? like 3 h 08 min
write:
2 h 19 min
